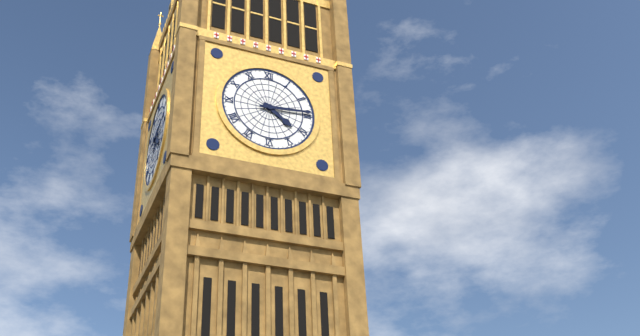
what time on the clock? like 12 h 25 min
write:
4 h 14 min
